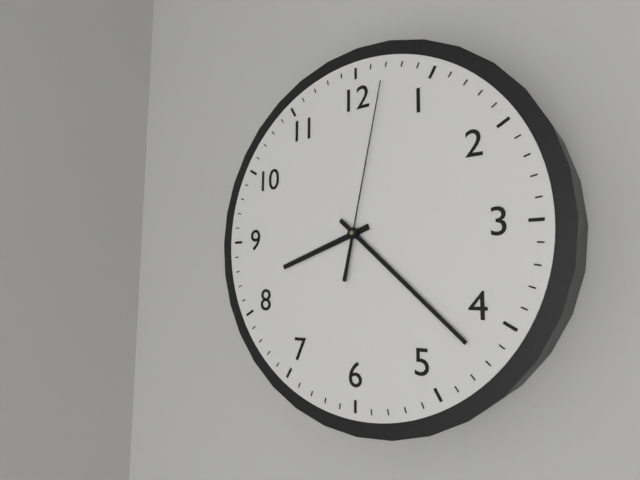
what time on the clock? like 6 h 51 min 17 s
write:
8 h 22 min 02 s
